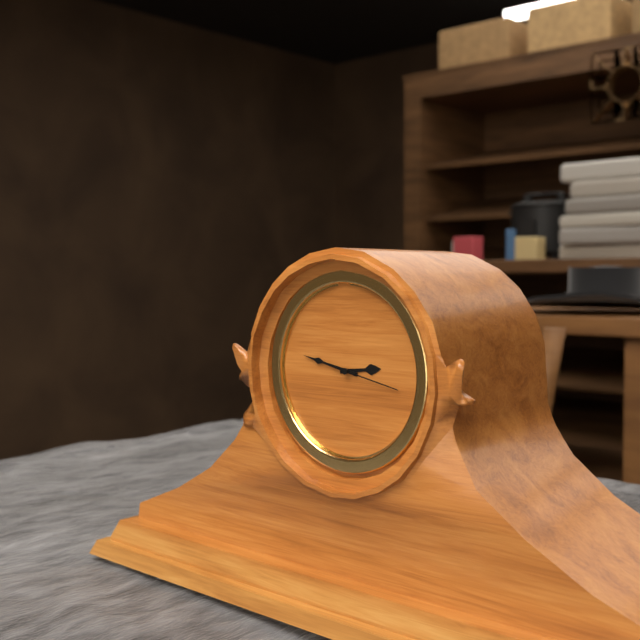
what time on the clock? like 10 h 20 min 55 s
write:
2 h 47 min 17 s
